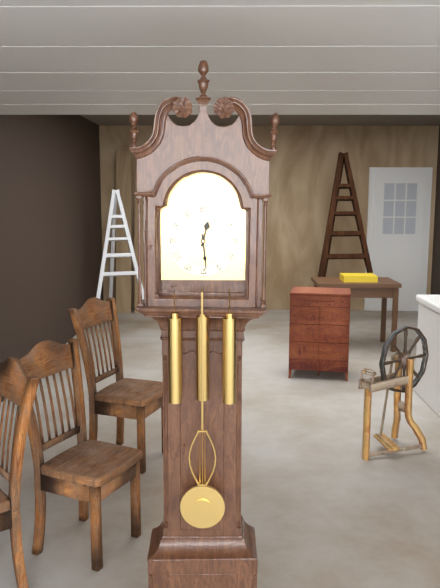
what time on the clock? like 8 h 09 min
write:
12 h 29 min
